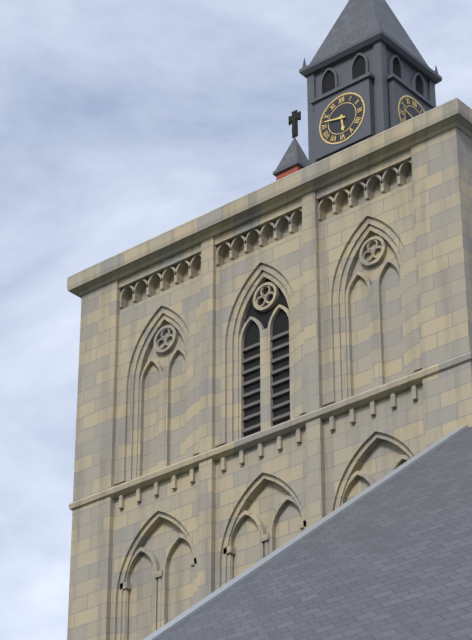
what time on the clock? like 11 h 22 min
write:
5 h 47 min
